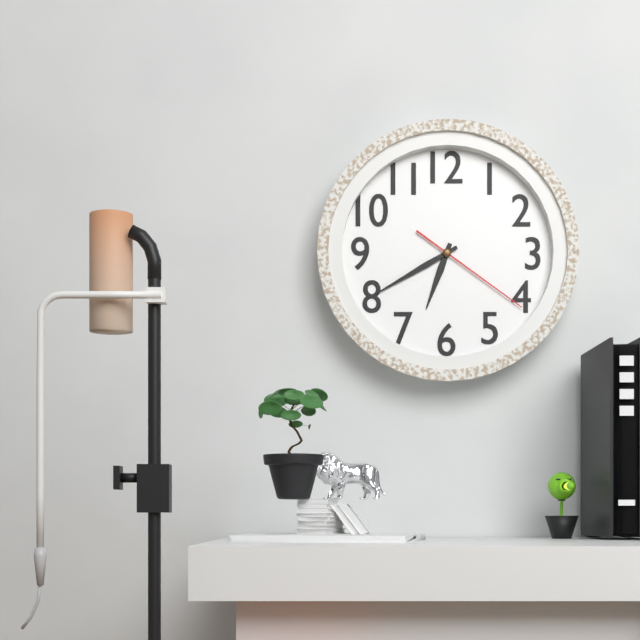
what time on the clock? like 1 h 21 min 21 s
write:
6 h 40 min 21 s
